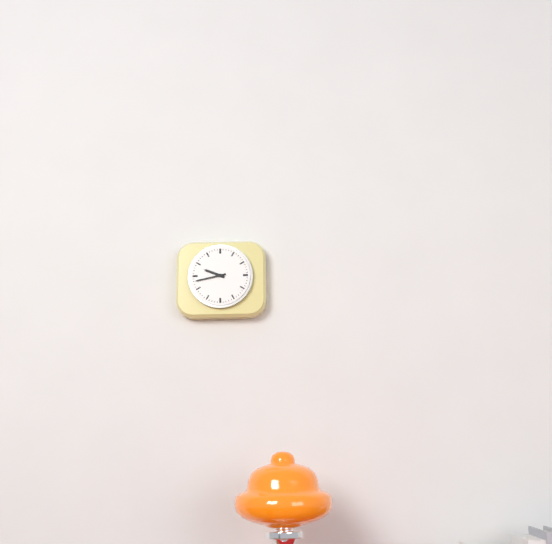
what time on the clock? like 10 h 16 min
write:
9 h 43 min
